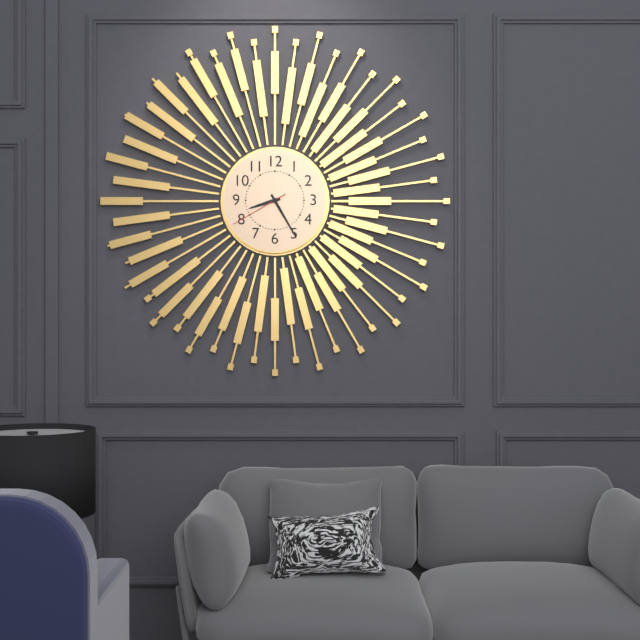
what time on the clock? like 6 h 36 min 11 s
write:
8 h 25 min 40 s
